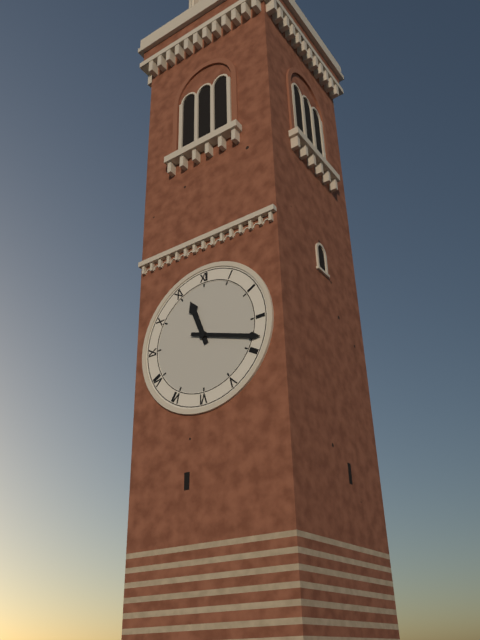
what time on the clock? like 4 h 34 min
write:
11 h 18 min
